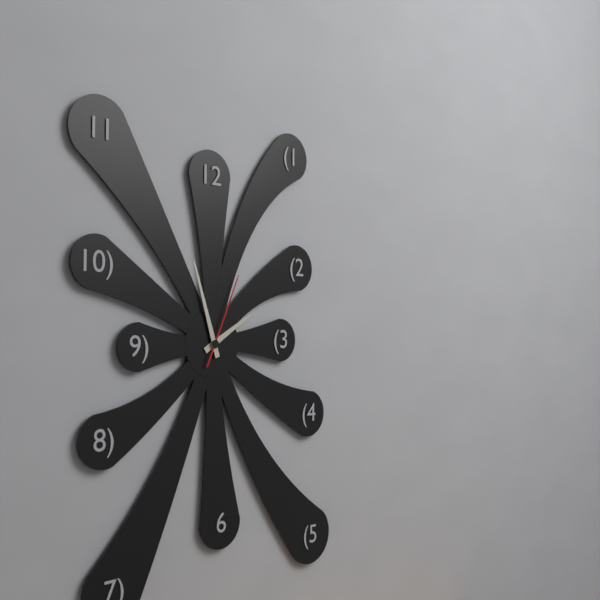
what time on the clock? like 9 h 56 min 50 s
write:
1 h 57 min 04 s
